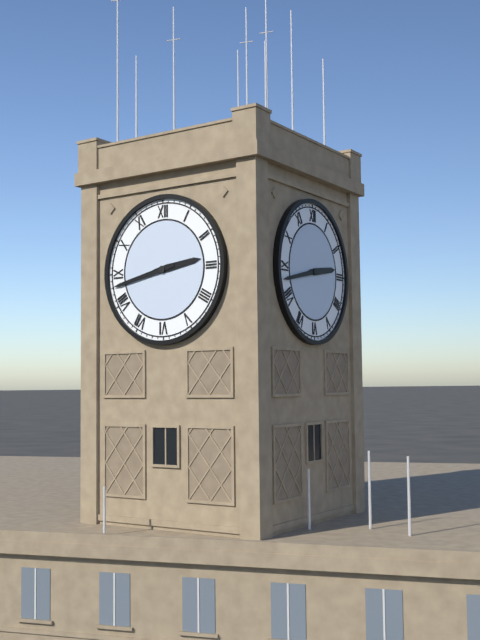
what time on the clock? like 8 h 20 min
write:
2 h 43 min
